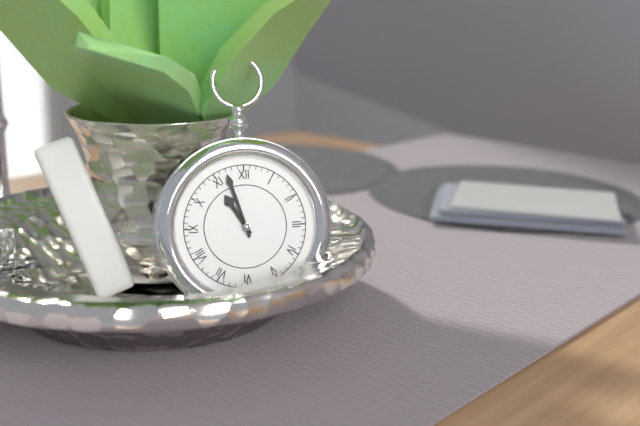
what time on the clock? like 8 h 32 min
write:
10 h 57 min
